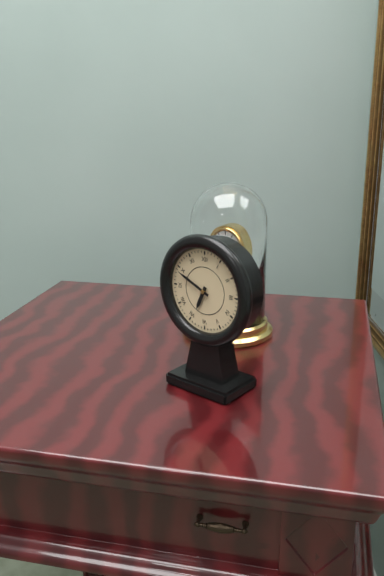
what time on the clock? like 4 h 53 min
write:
6 h 49 min
